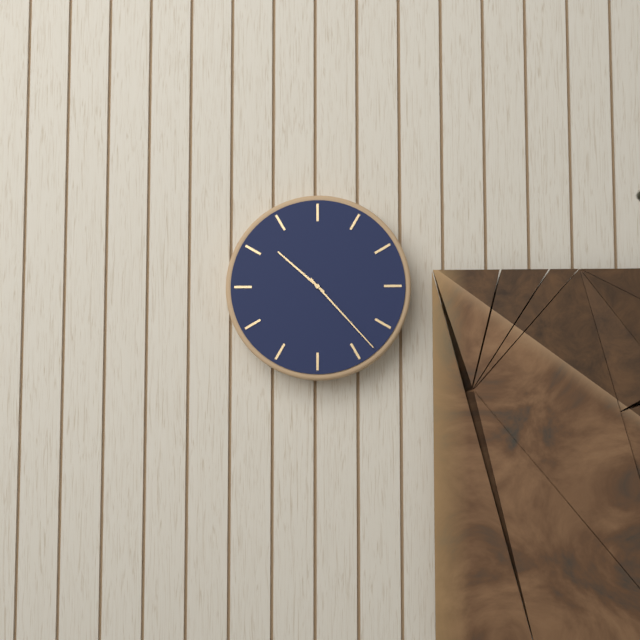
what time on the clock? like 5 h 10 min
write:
10 h 23 min
